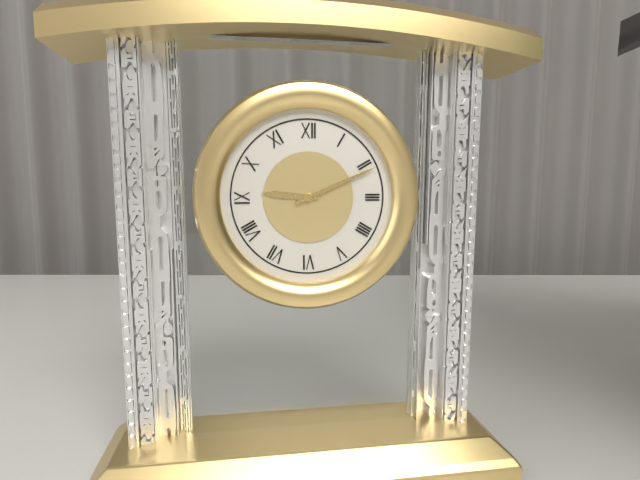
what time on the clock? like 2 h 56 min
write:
9 h 11 min
